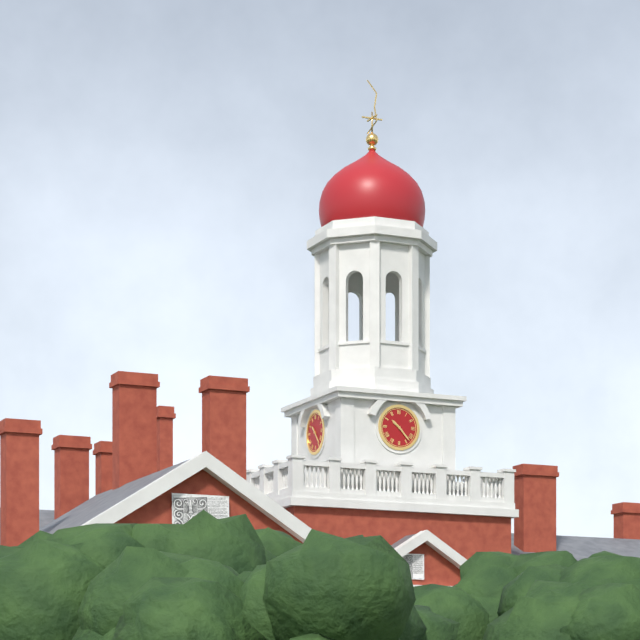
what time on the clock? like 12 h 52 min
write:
10 h 23 min
